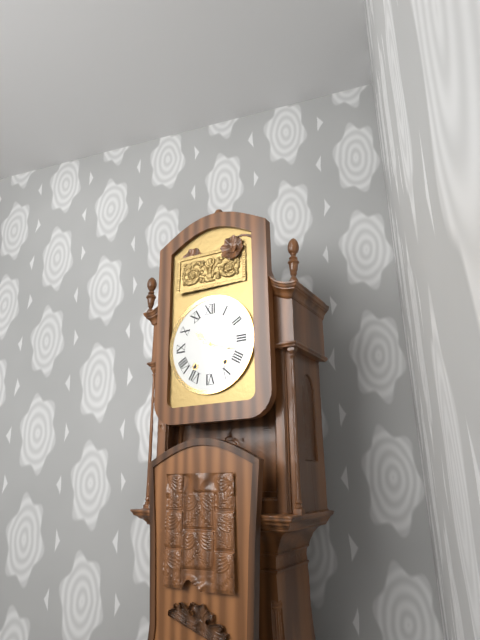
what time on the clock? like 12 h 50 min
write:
10 h 18 min
